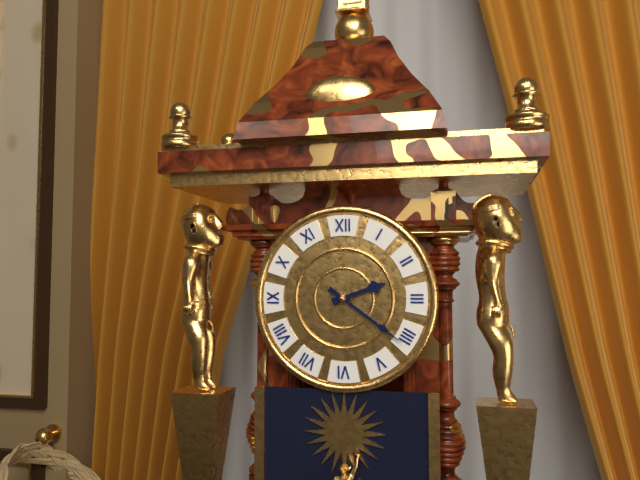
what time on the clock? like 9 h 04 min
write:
2 h 21 min
